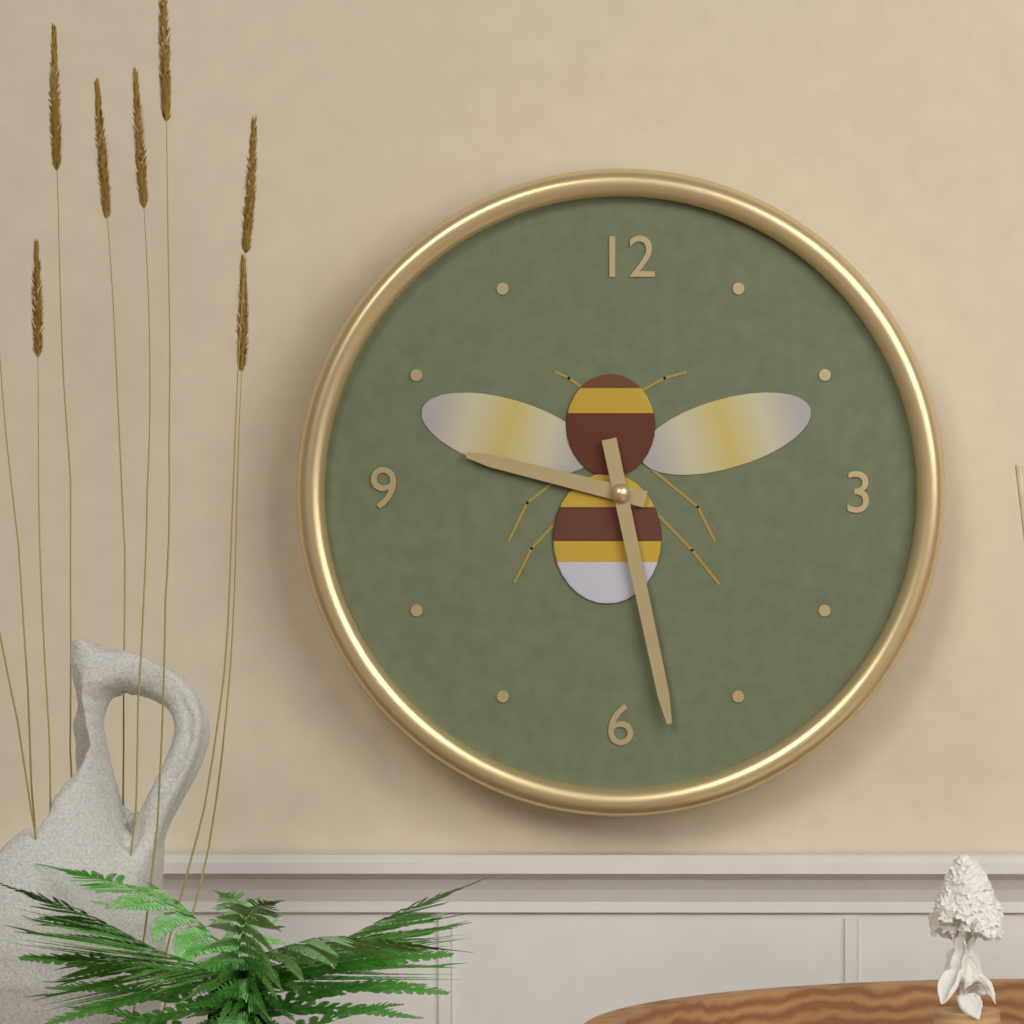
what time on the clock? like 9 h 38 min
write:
9 h 28 min
